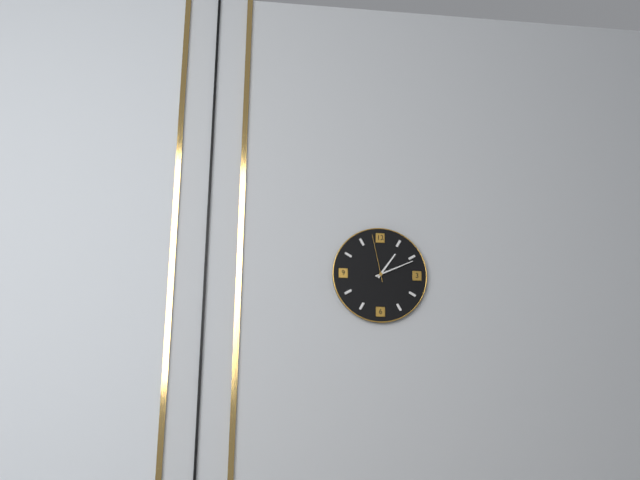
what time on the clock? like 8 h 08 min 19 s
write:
1 h 11 min 58 s
